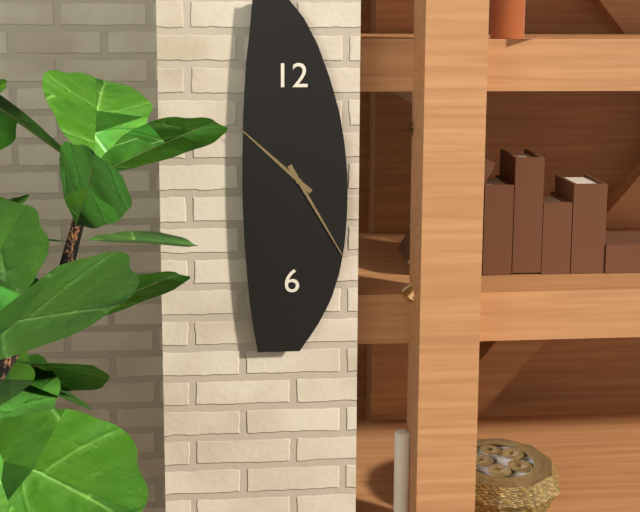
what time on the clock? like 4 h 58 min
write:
10 h 25 min
